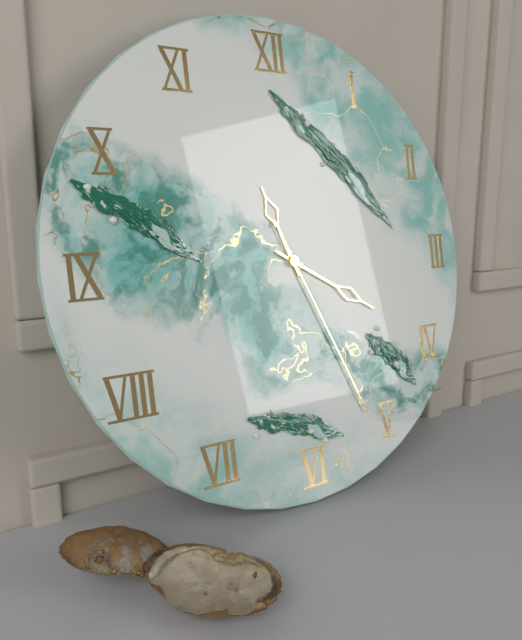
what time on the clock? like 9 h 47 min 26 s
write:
11 h 20 min 26 s
